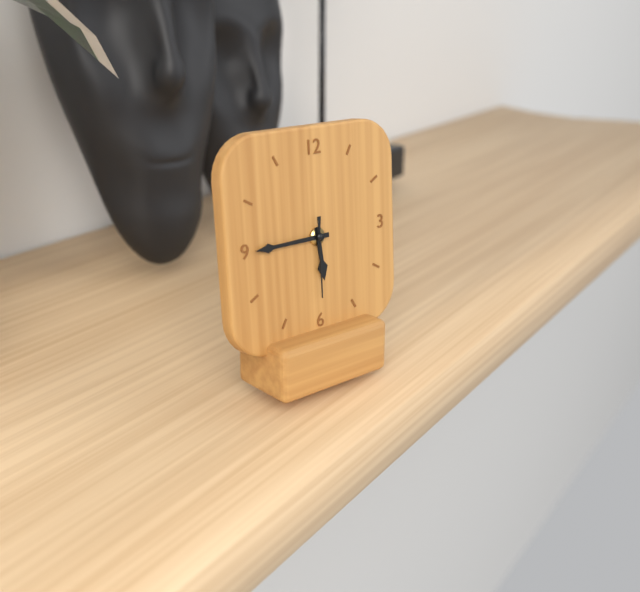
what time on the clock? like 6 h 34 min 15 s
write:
5 h 45 min 30 s
